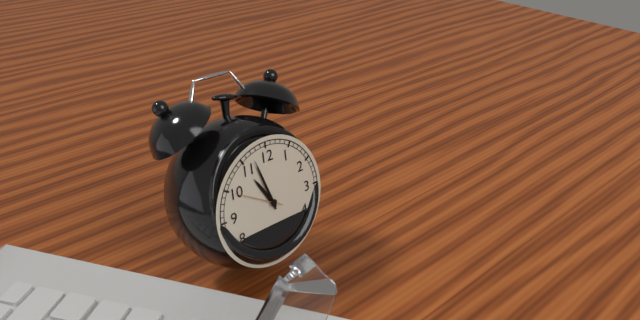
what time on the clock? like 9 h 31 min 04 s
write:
10 h 57 min 50 s
